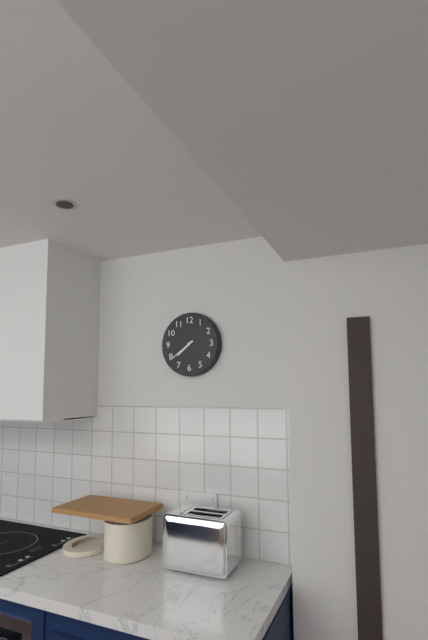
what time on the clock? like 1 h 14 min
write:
7 h 39 min
